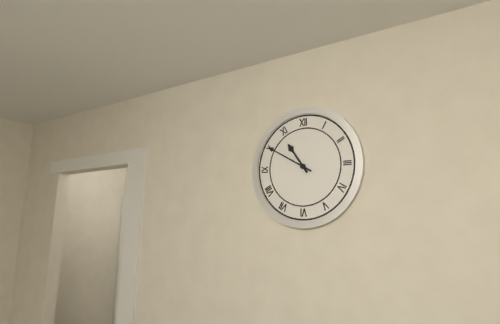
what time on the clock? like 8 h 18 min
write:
10 h 50 min
